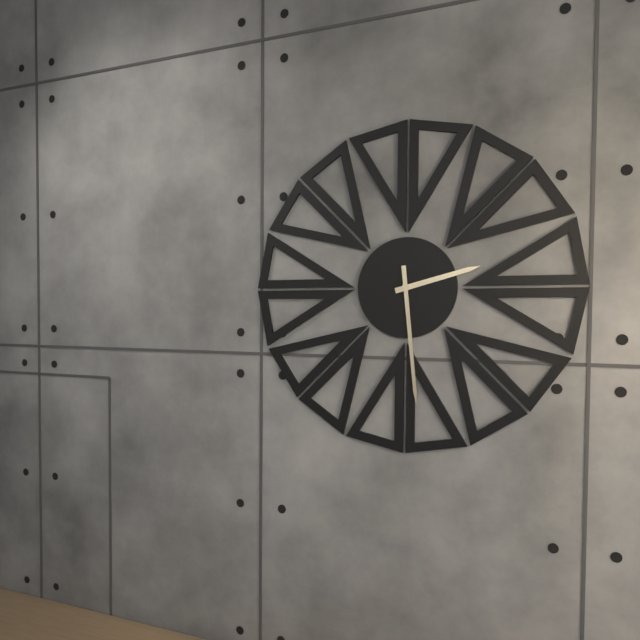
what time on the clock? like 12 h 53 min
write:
2 h 29 min
